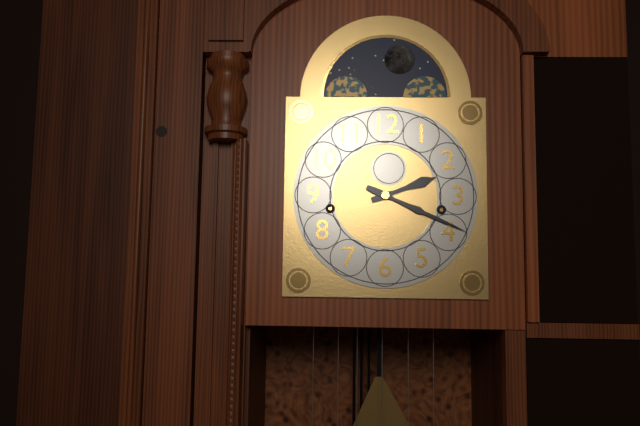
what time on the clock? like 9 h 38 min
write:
2 h 19 min
